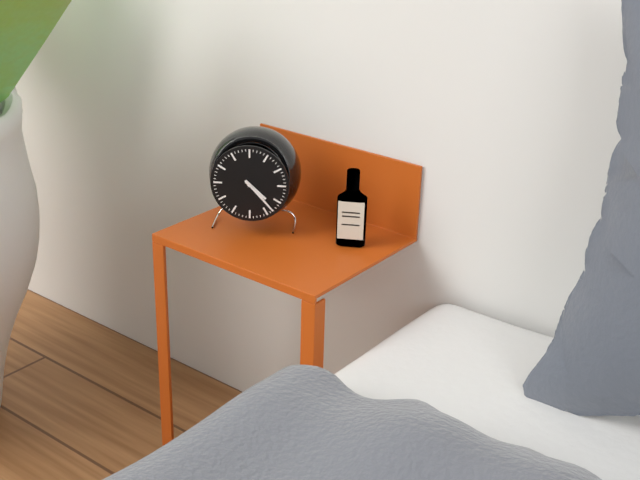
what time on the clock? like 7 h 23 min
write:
4 h 23 min
